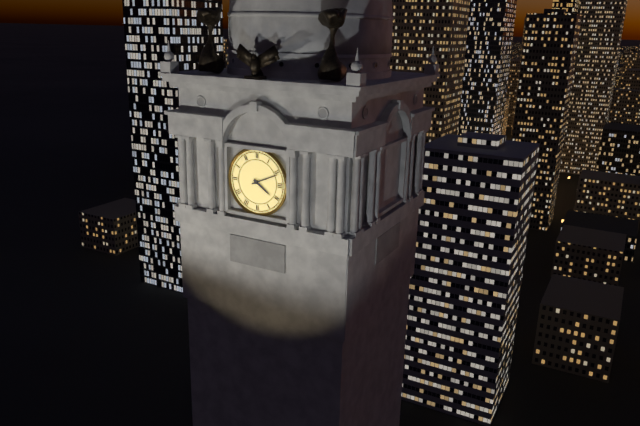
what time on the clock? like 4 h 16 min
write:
4 h 11 min
